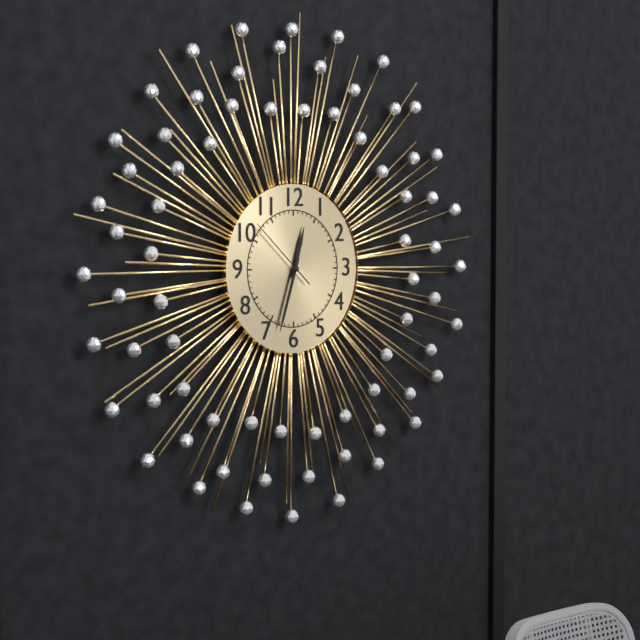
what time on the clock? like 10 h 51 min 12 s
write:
12 h 33 min 52 s
